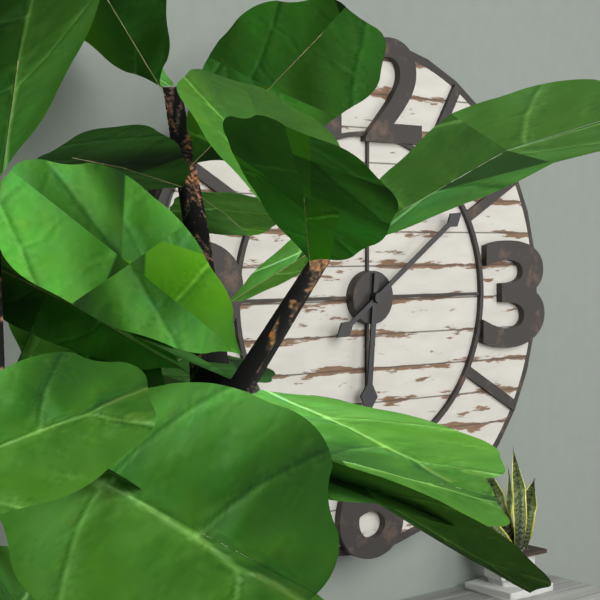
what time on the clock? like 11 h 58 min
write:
6 h 09 min
